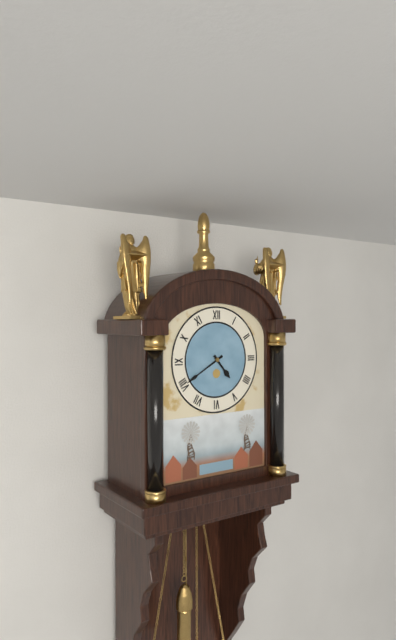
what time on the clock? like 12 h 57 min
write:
4 h 40 min
